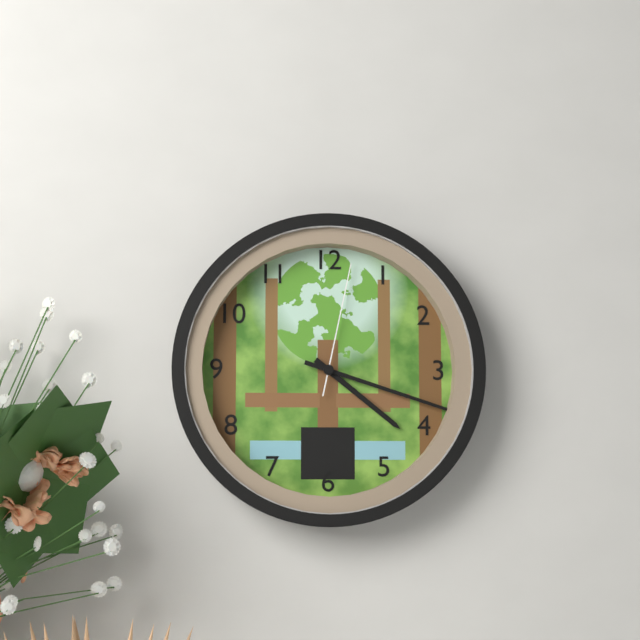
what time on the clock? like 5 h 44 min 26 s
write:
4 h 18 min 02 s
